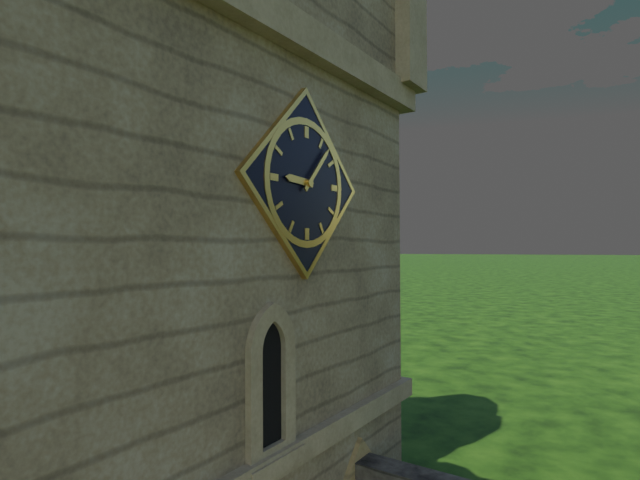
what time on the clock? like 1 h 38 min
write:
9 h 07 min
